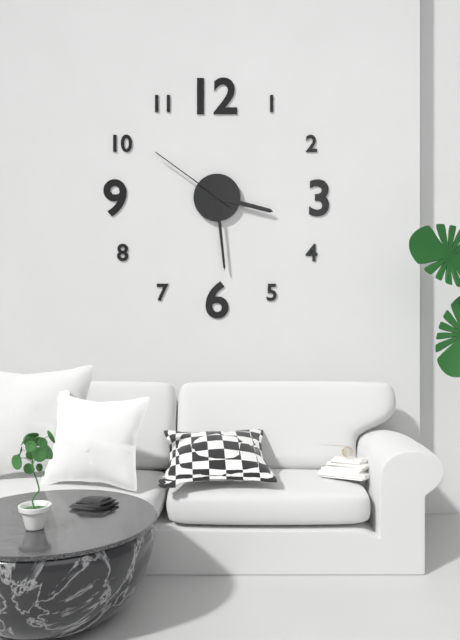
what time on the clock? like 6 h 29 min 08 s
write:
3 h 29 min 51 s
